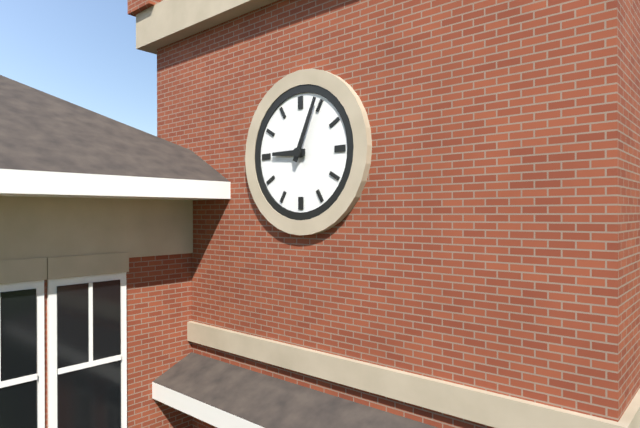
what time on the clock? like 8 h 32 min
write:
9 h 04 min
